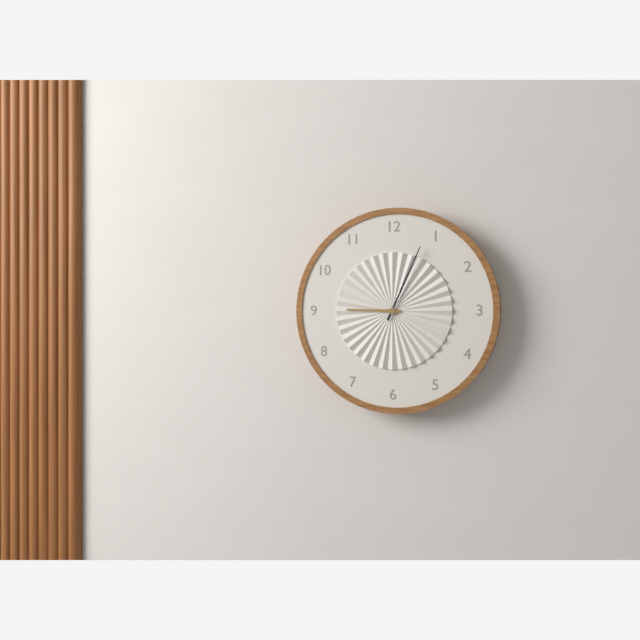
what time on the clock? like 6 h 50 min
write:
9 h 04 min
